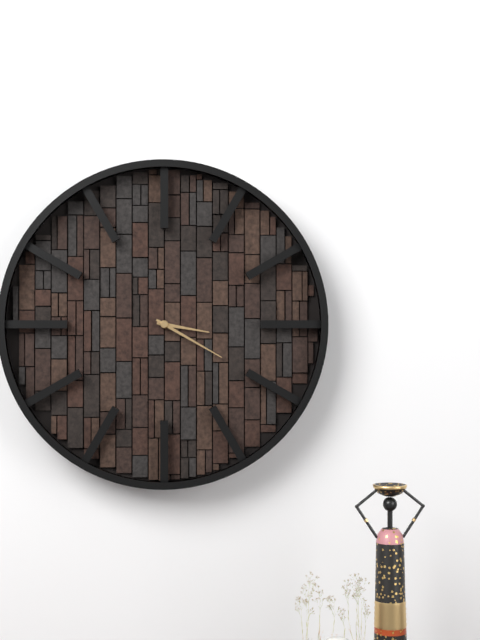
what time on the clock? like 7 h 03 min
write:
3 h 20 min
